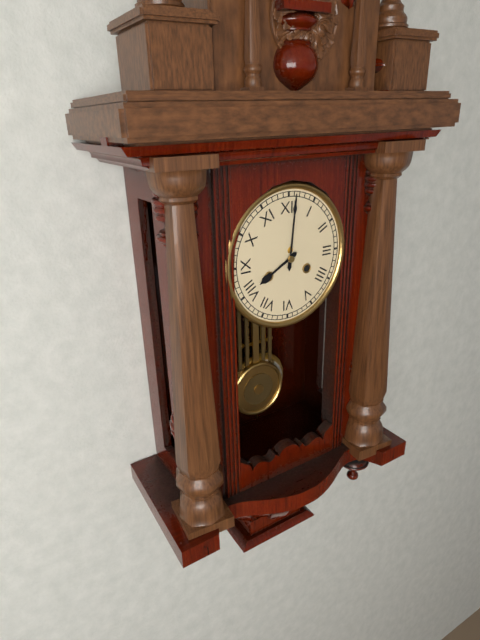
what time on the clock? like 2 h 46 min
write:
8 h 01 min
